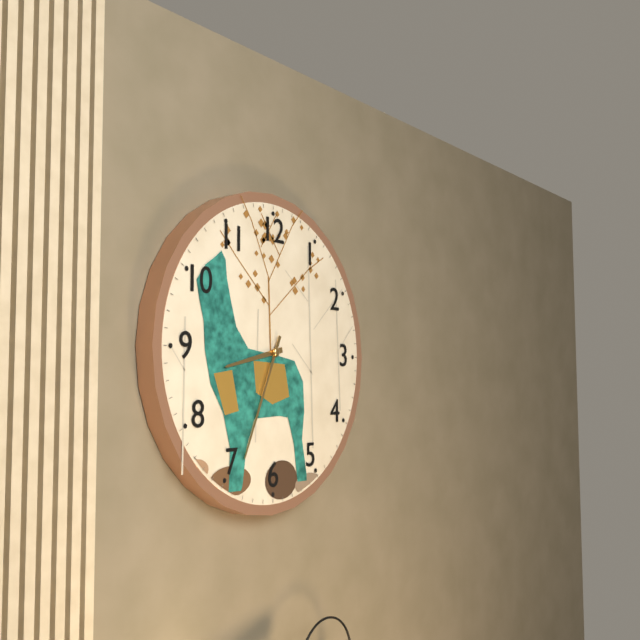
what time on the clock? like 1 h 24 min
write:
8 h 34 min
